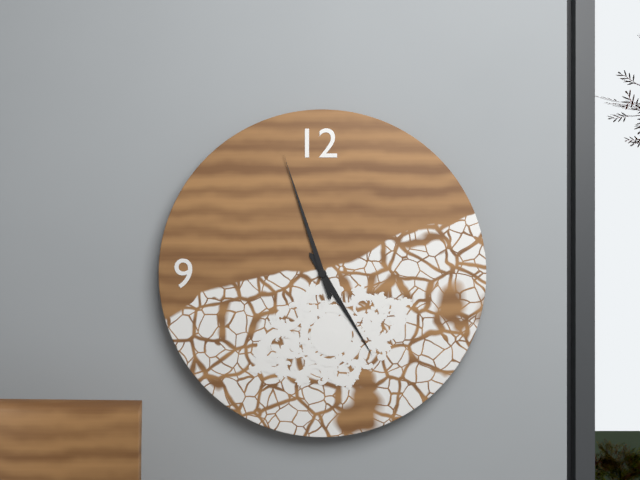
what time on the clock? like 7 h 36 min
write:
4 h 57 min
